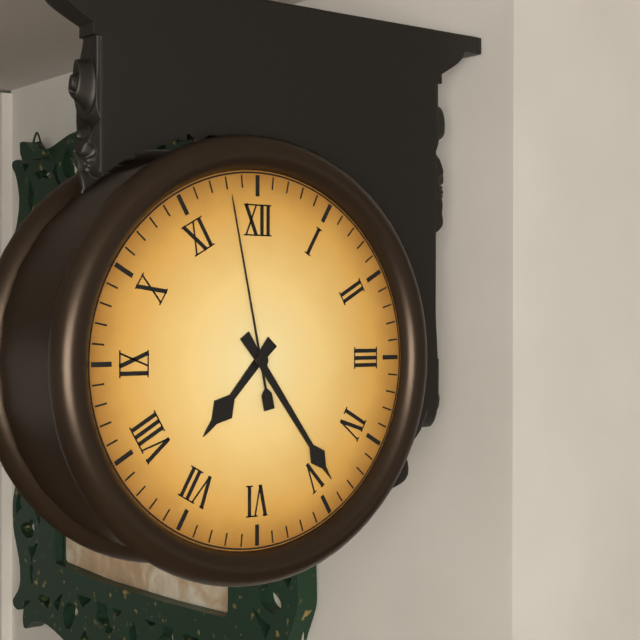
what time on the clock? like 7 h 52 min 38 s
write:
7 h 24 min 58 s
